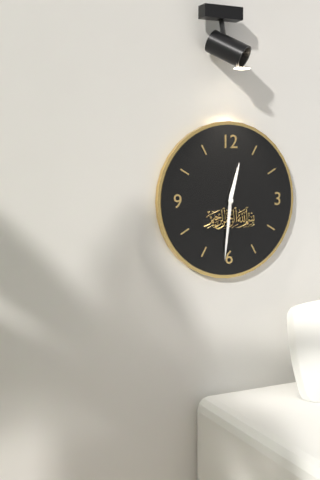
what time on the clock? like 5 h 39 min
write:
12 h 31 min
